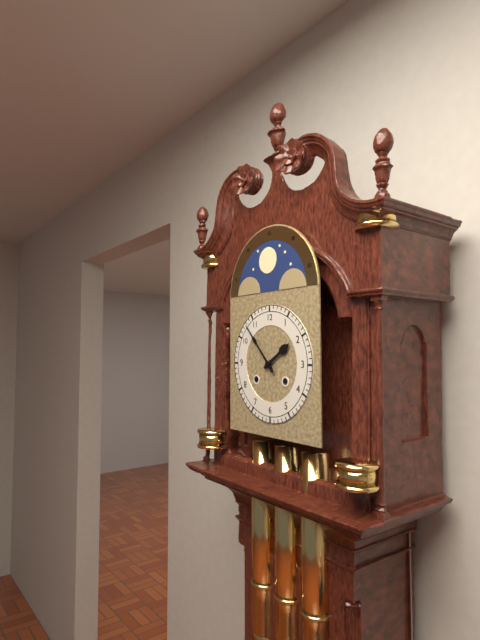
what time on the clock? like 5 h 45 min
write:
1 h 53 min
